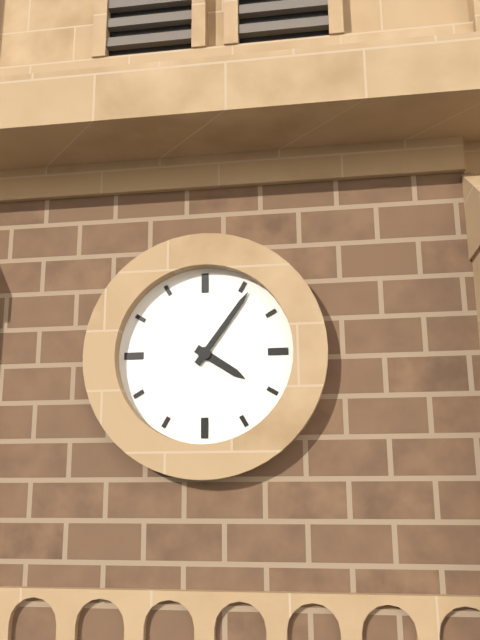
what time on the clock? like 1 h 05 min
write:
4 h 06 min
